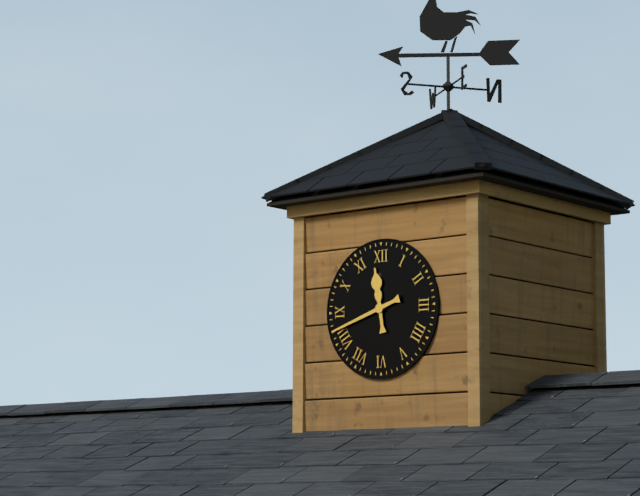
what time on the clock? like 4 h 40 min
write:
11 h 42 min
